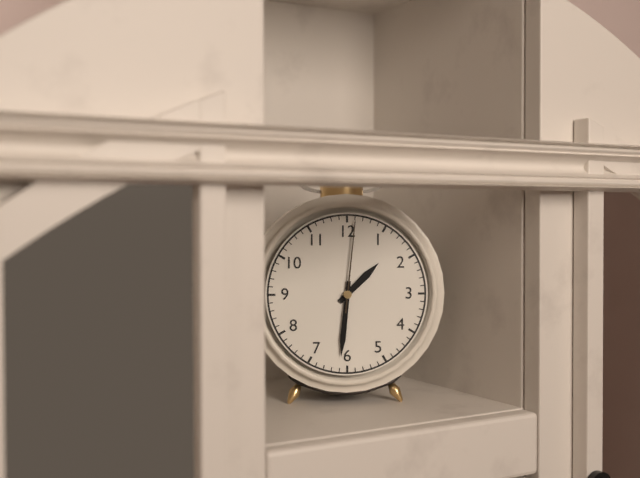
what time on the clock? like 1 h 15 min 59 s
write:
1 h 31 min 01 s
